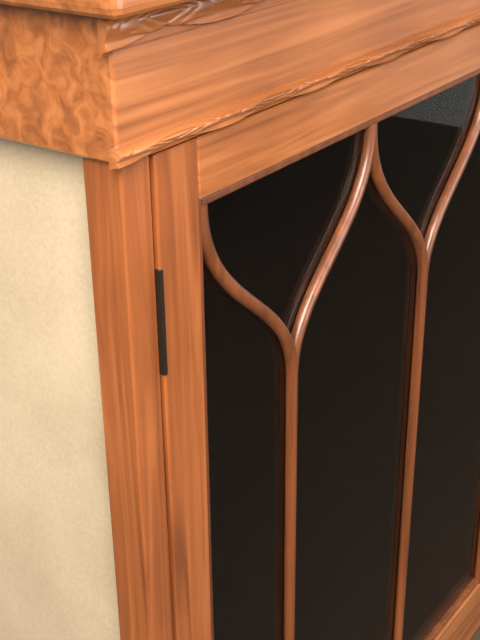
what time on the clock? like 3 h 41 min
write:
10 h 19 min
